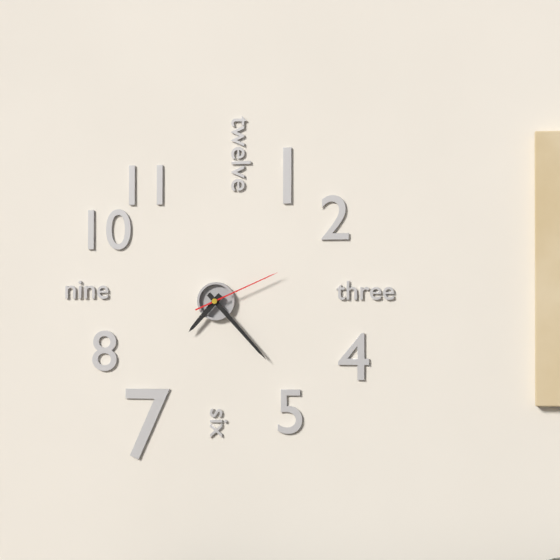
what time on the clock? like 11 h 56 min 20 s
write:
7 h 23 min 11 s
